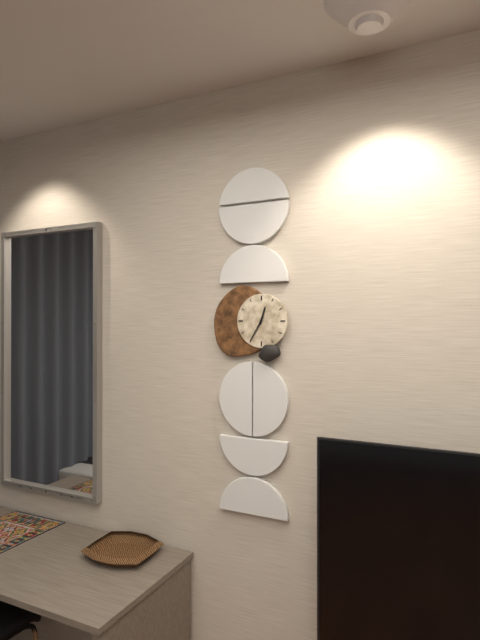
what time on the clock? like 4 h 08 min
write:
12 h 35 min
